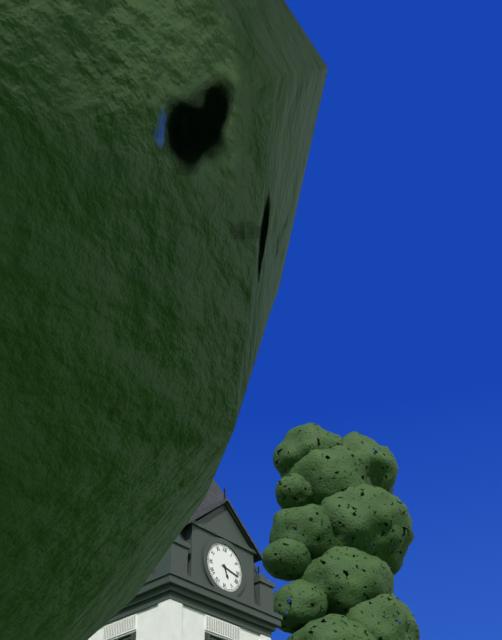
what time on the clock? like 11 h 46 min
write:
5 h 17 min
